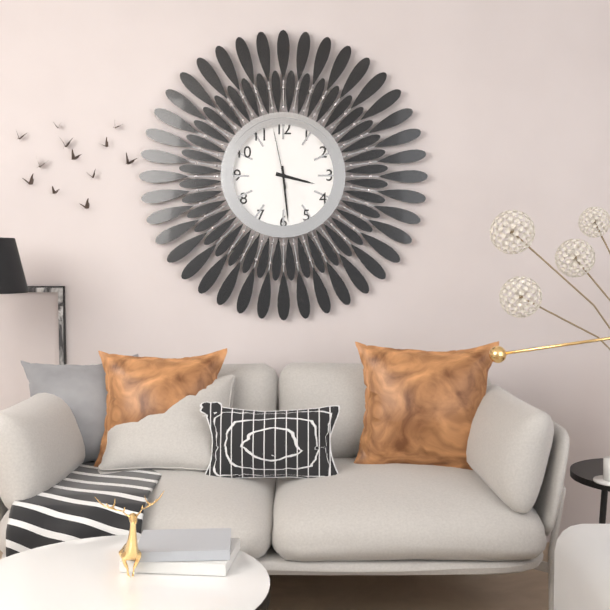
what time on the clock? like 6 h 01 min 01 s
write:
3 h 29 min 58 s
